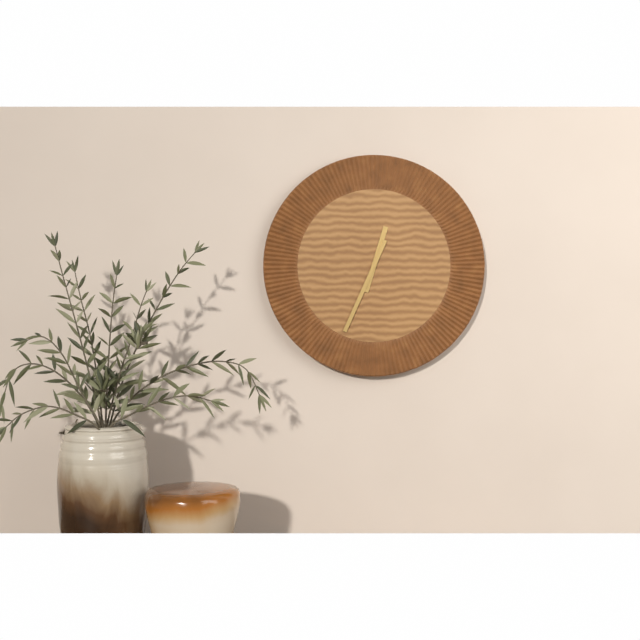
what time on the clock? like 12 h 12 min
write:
12 h 34 min
